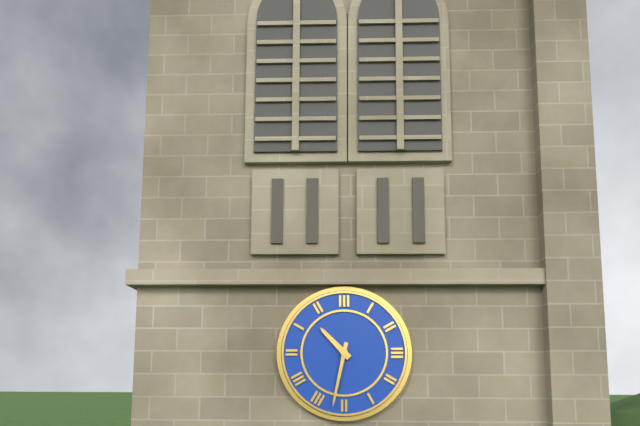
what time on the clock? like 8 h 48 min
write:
10 h 32 min
